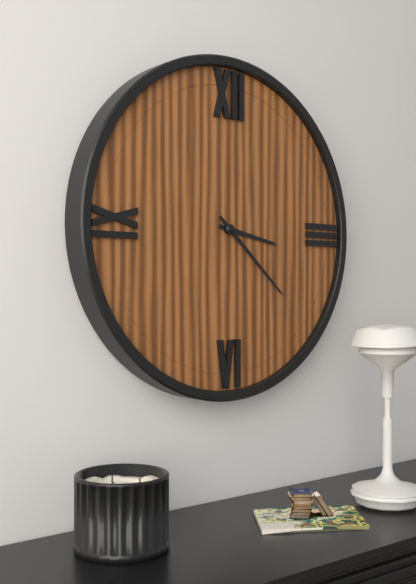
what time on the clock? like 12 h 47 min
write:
3 h 22 min
